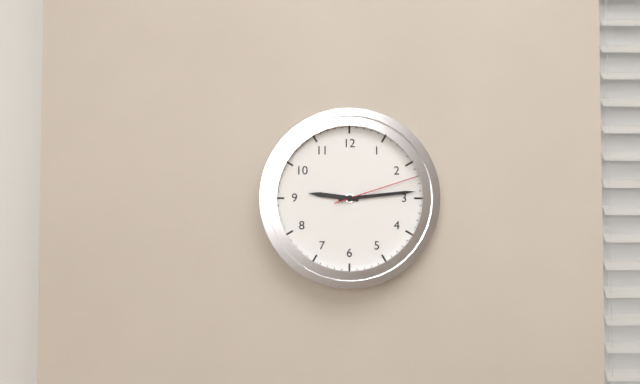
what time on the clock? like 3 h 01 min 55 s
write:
9 h 14 min 12 s
